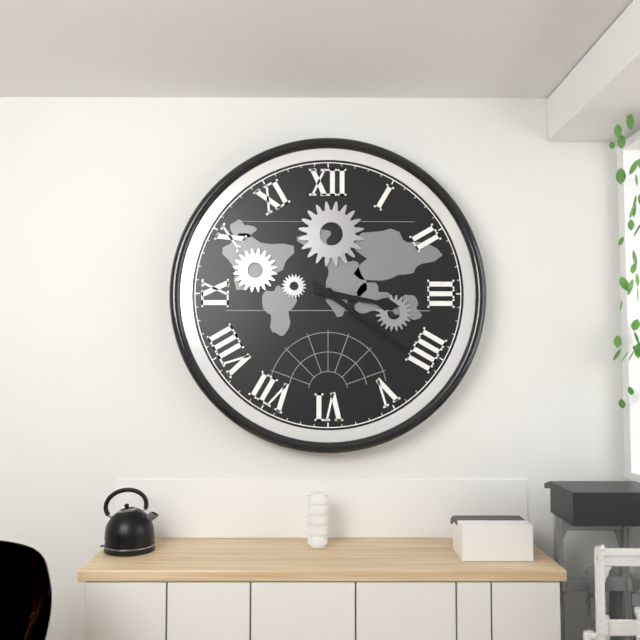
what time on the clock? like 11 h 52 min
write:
3 h 21 min
